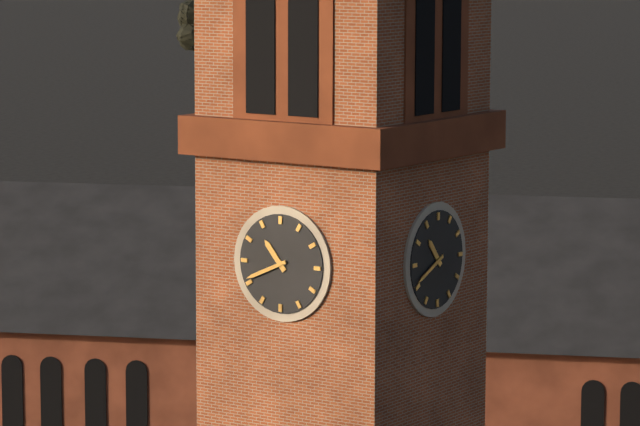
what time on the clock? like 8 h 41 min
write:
10 h 41 min
